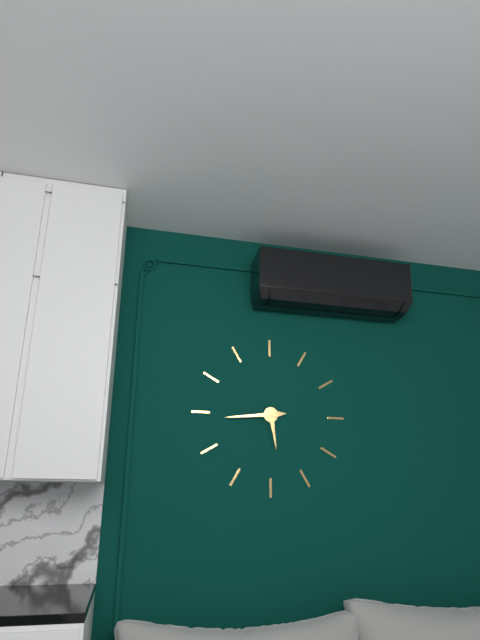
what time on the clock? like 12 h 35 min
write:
5 h 44 min
